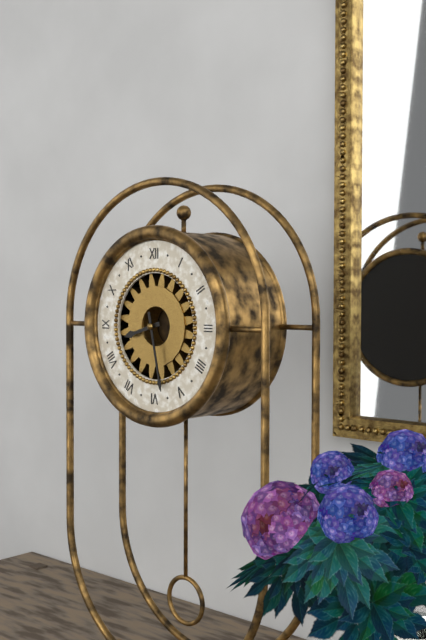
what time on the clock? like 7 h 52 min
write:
8 h 28 min
